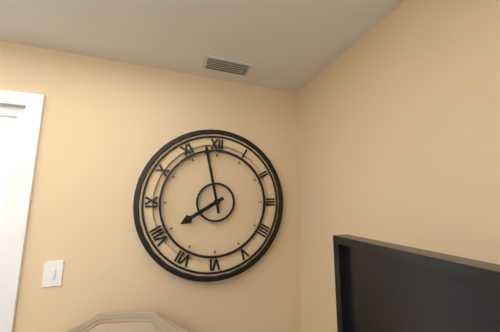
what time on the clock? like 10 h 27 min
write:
7 h 58 min
